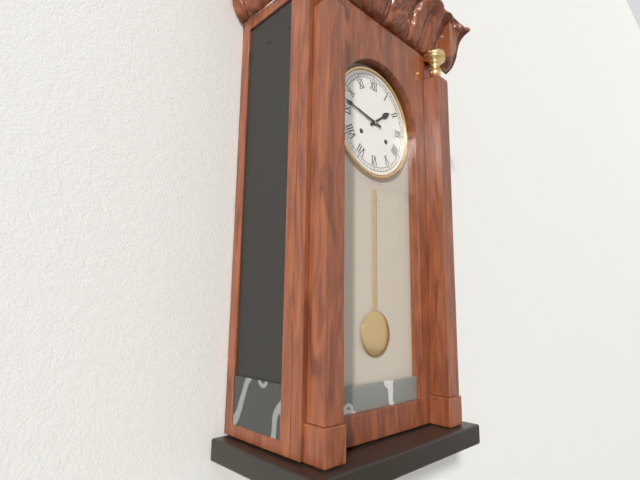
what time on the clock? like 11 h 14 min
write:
1 h 47 min
